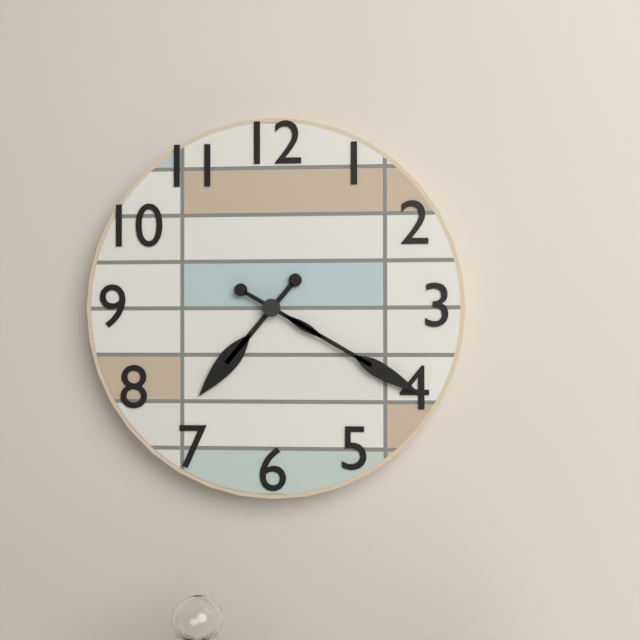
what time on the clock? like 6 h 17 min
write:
7 h 20 min
